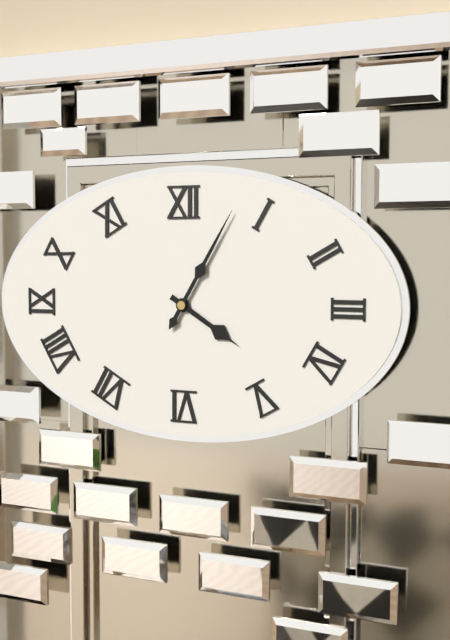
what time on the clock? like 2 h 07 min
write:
4 h 05 min
